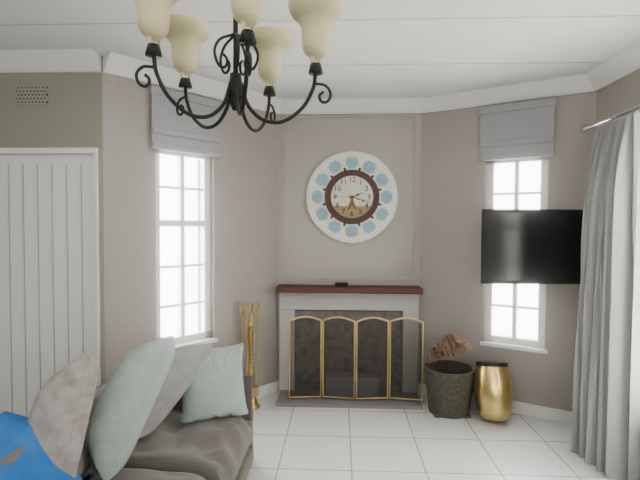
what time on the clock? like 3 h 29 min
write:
2 h 18 min
